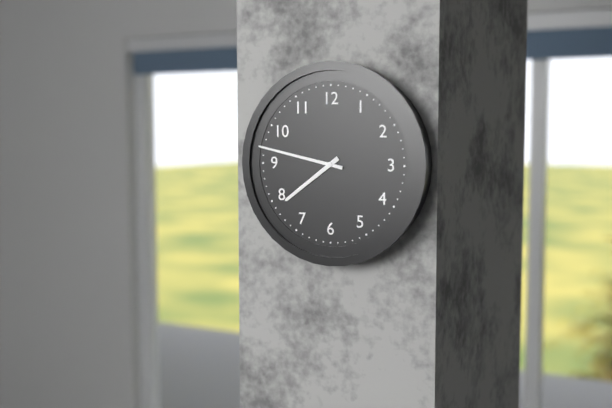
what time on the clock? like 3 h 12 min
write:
7 h 47 min
